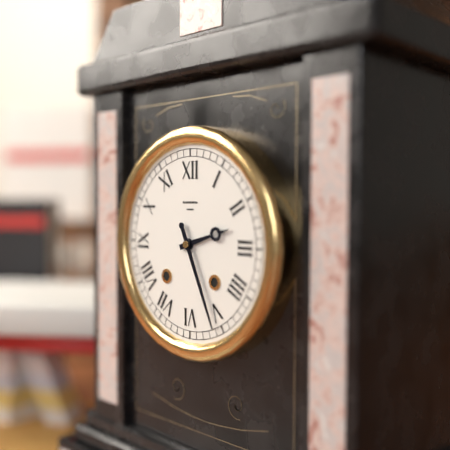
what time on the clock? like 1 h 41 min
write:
2 h 26 min
